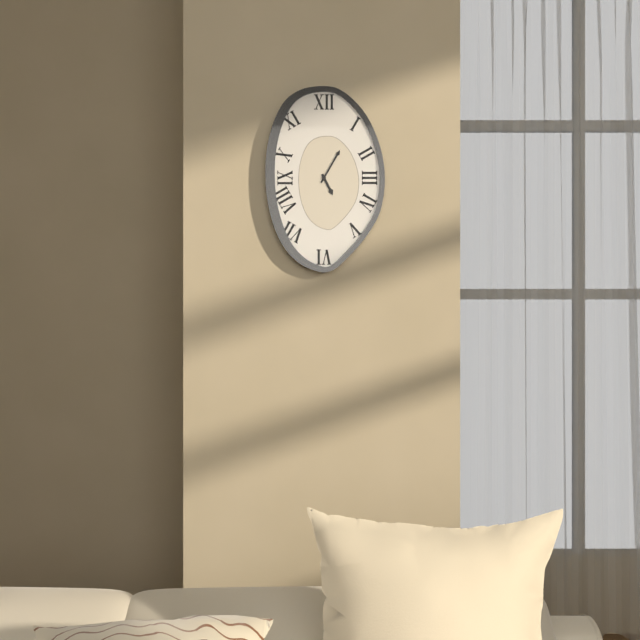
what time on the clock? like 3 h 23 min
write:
5 h 05 min
